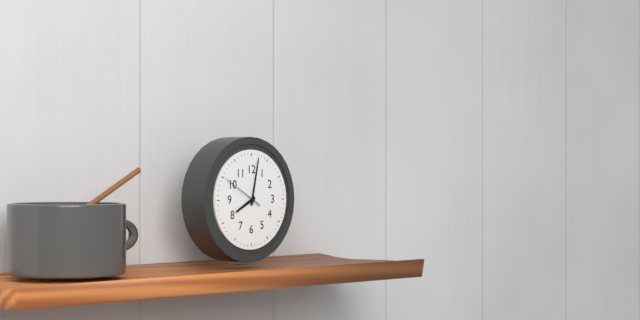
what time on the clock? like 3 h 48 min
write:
8 h 02 min
